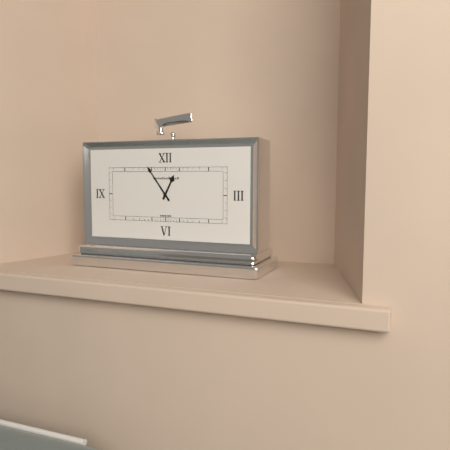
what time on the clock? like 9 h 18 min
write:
12 h 54 min
